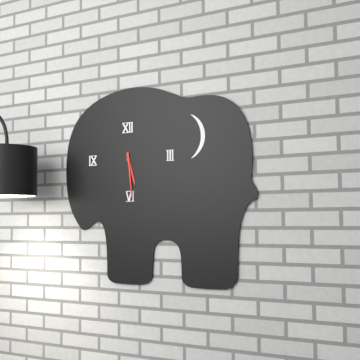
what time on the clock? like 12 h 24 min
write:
5 h 29 min
